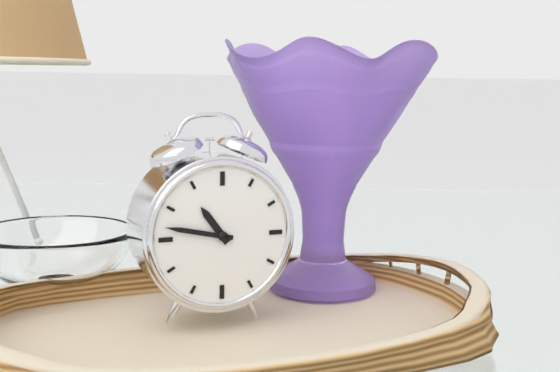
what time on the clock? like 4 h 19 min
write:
10 h 47 min
